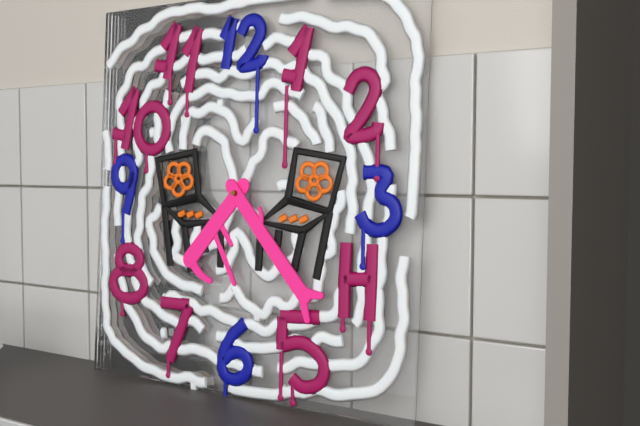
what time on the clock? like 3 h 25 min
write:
7 h 23 min
